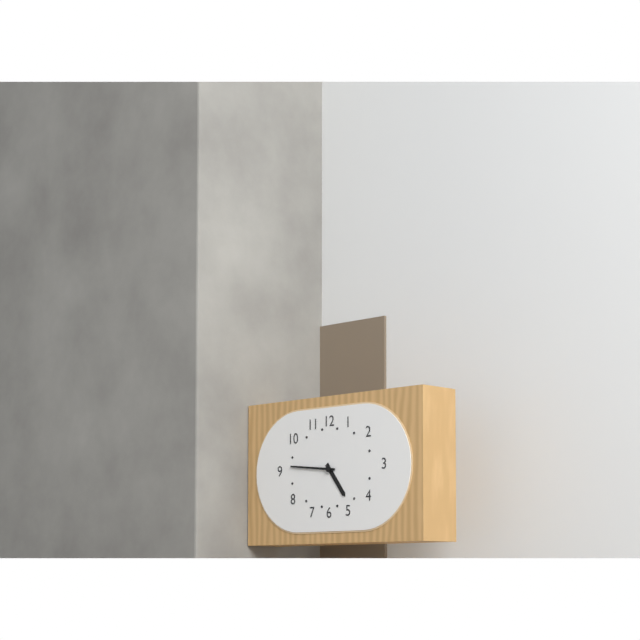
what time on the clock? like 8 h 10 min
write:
4 h 46 min
